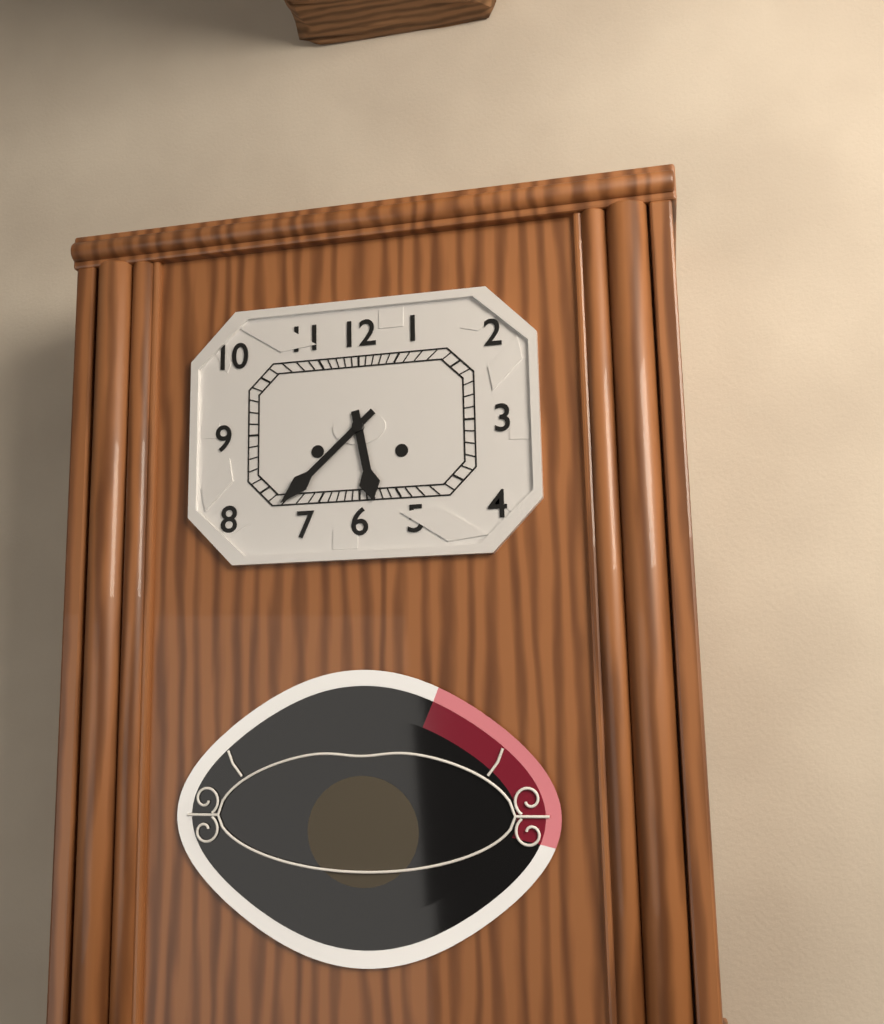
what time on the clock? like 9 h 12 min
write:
5 h 38 min
